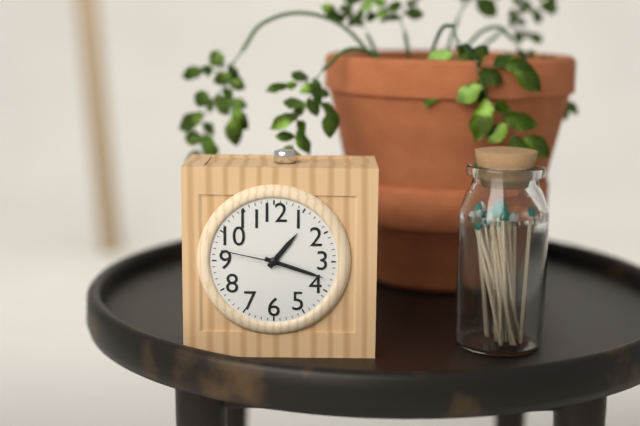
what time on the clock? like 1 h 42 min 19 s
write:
1 h 18 min 47 s
